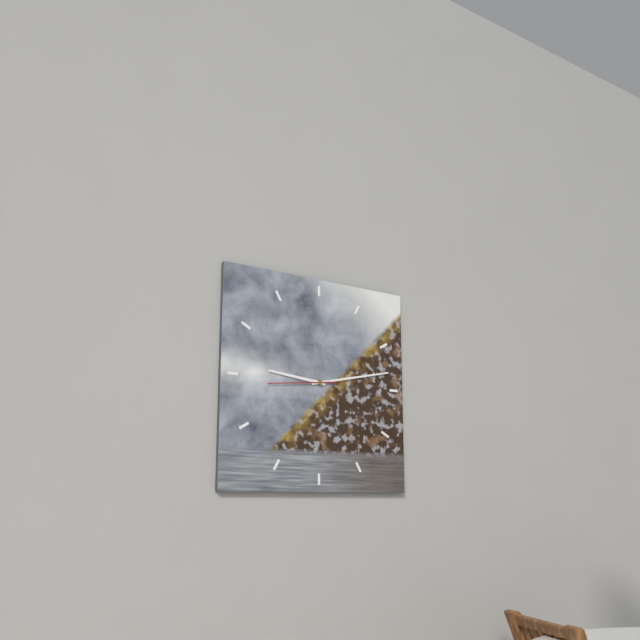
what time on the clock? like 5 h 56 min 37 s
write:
9 h 13 min 44 s
